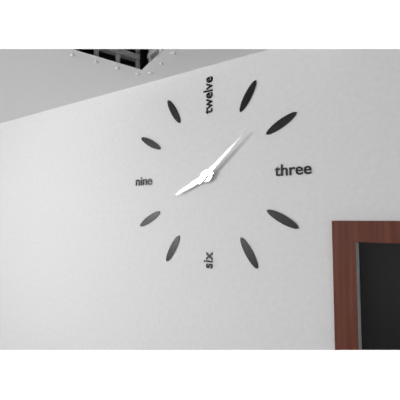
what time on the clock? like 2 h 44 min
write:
8 h 08 min
